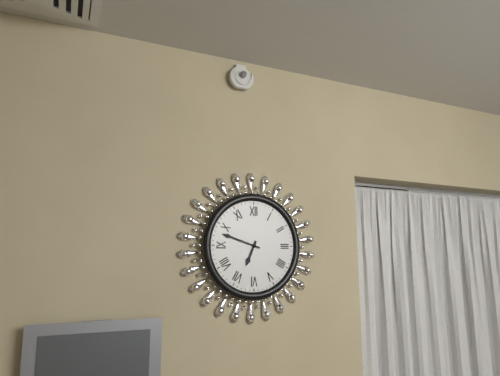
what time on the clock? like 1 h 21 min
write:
6 h 48 min
